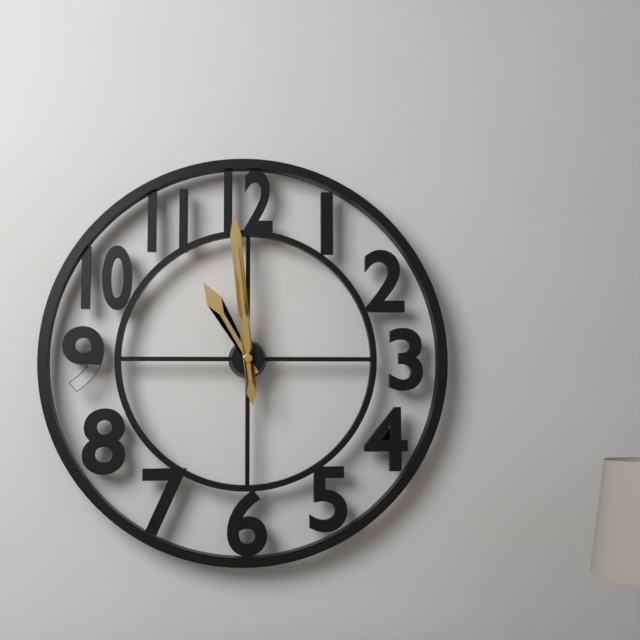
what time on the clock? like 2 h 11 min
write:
10 h 59 min
